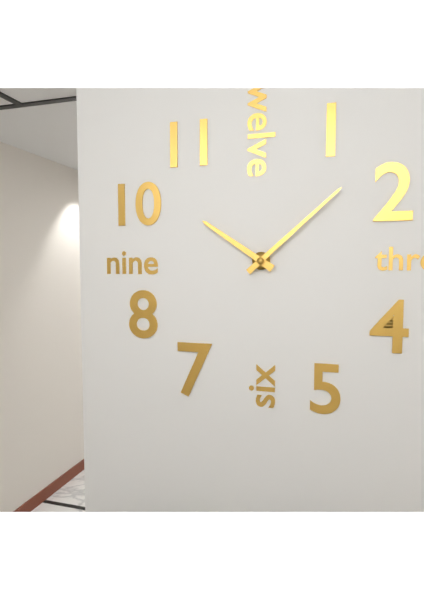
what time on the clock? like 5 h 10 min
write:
10 h 08 min
